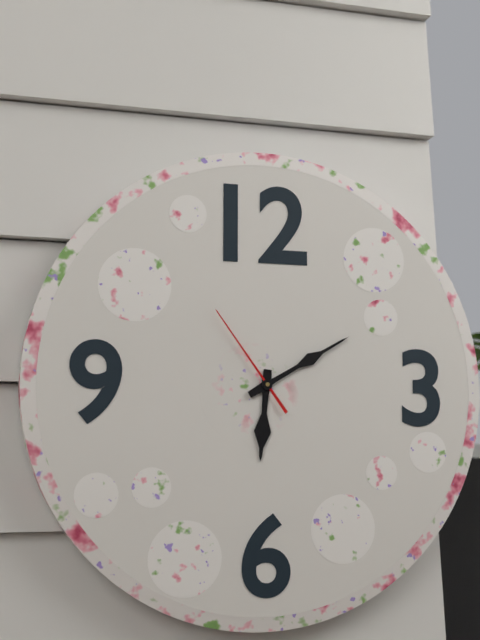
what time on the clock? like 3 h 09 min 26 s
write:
6 h 10 min 54 s
